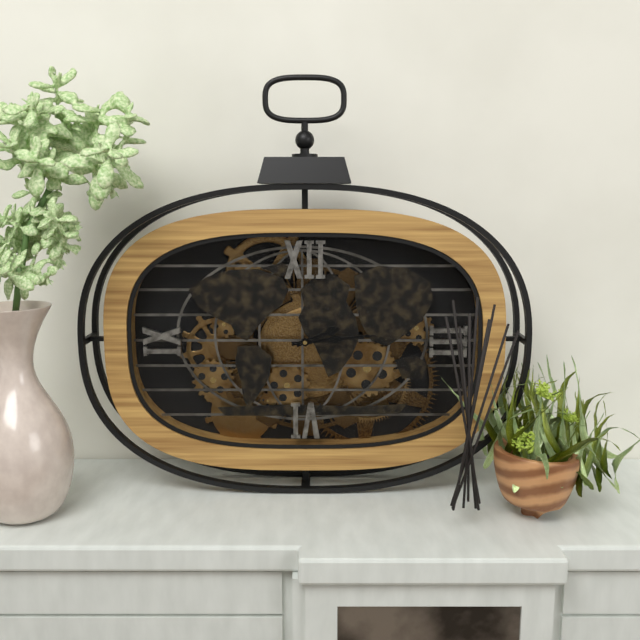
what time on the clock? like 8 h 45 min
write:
2 h 14 min
